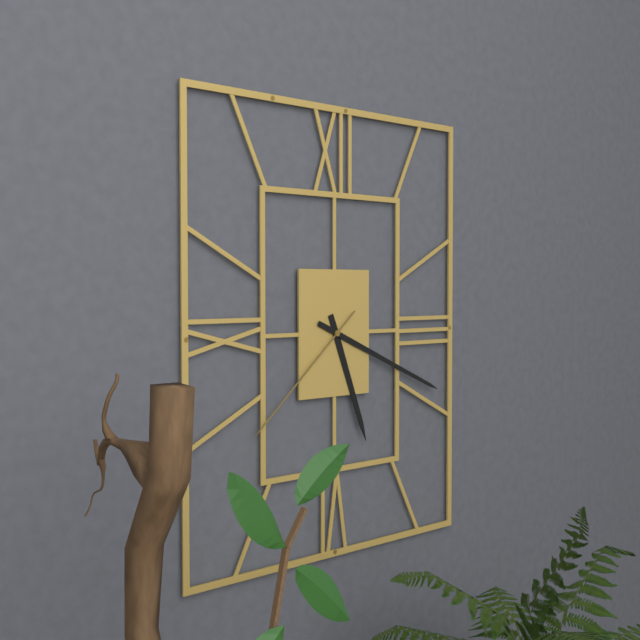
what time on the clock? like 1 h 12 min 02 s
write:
5 h 19 min 38 s
